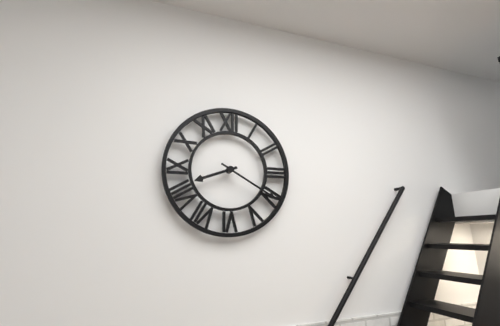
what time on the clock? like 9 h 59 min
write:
8 h 20 min
